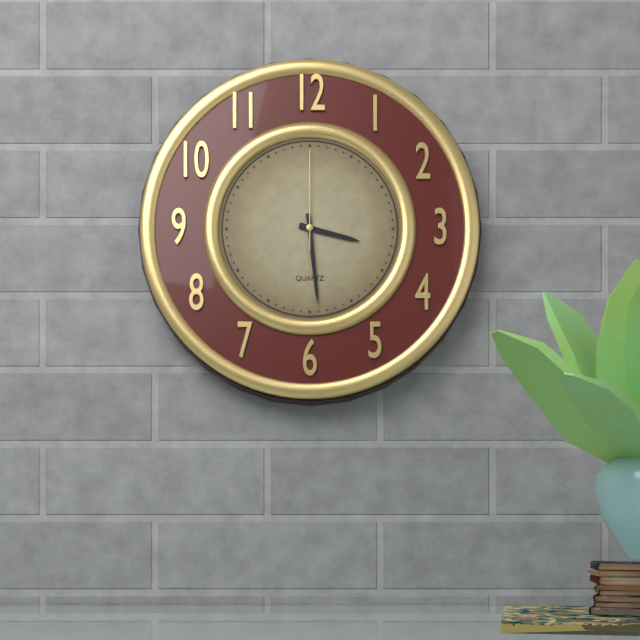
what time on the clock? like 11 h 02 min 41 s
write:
3 h 29 min 00 s
